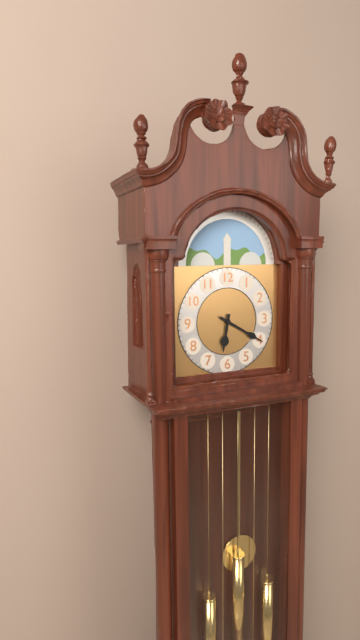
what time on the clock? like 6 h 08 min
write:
6 h 20 min
